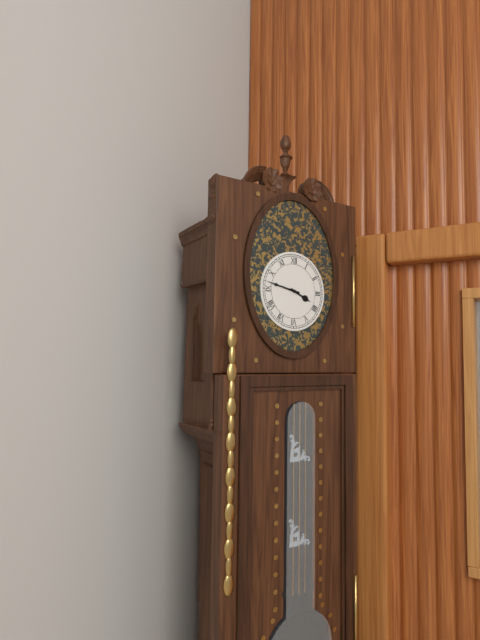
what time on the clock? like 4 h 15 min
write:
3 h 47 min
